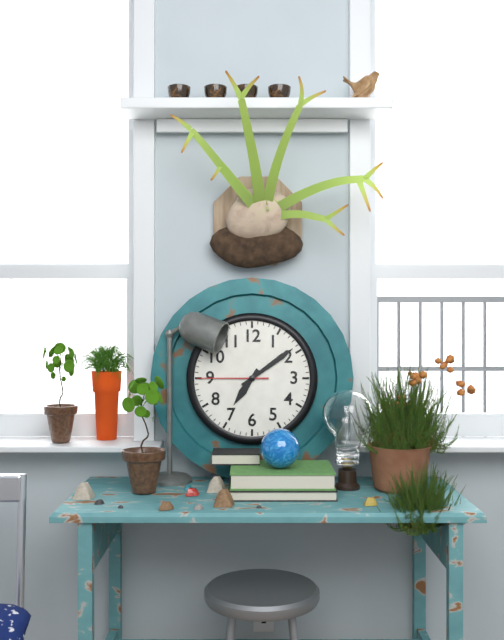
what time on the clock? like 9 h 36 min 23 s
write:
7 h 09 min 45 s
